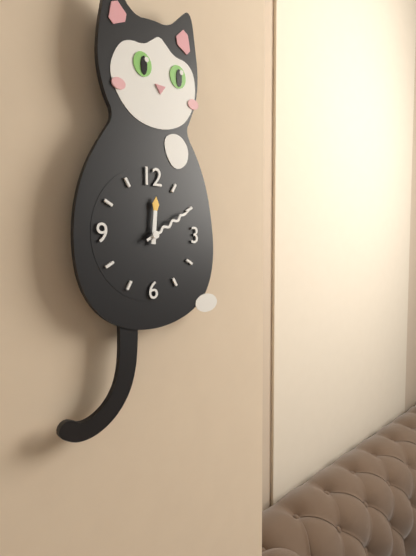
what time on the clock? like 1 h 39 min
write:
12 h 10 min
